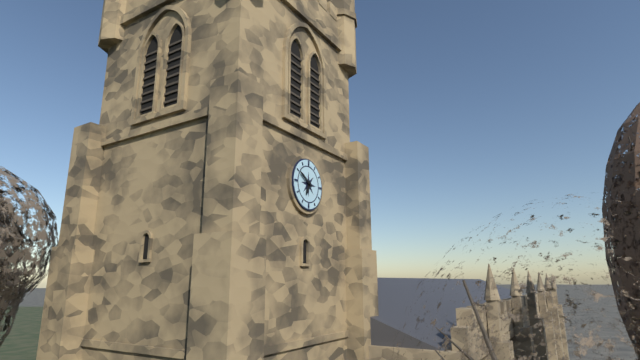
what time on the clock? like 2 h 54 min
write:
6 h 50 min
